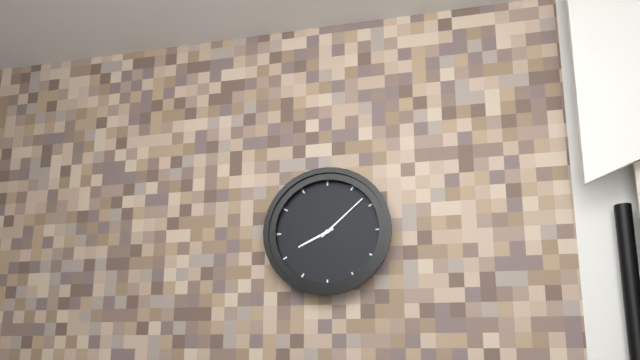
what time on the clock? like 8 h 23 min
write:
8 h 08 min
